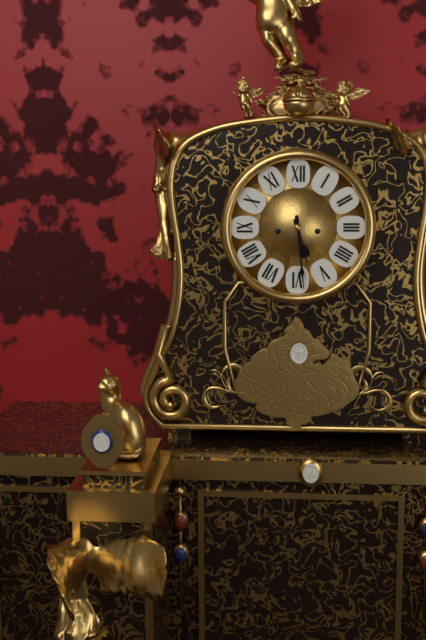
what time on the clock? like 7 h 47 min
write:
5 h 29 min
